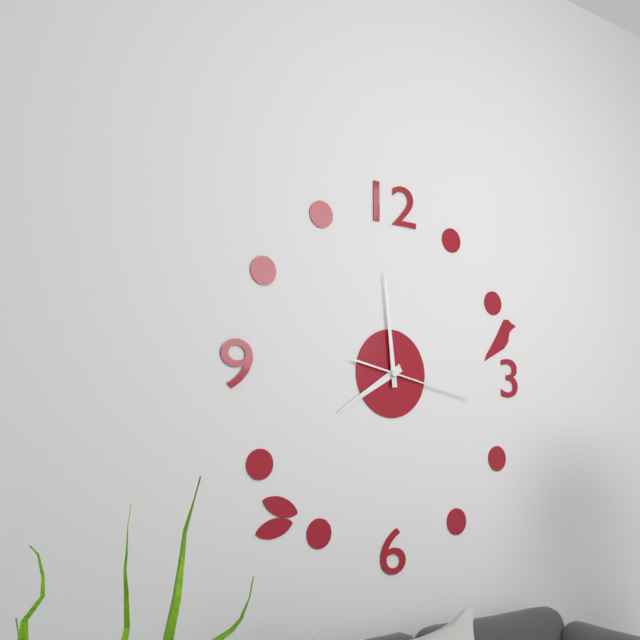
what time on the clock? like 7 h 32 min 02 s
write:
7 h 59 min 17 s
